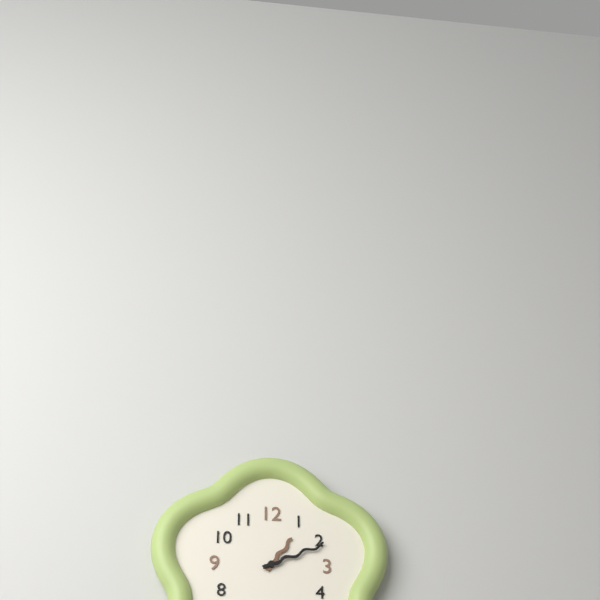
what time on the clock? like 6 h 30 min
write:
1 h 11 min
